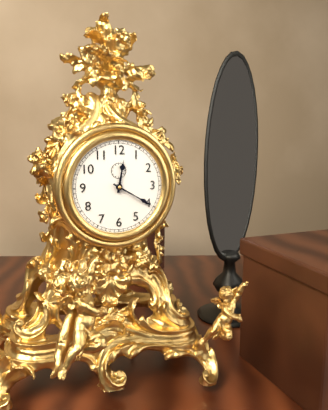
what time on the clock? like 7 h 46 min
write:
12 h 20 min
